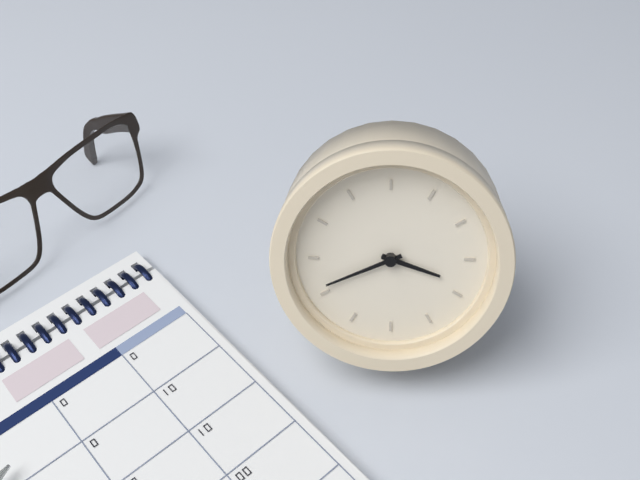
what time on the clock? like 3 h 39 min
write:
3 h 41 min
